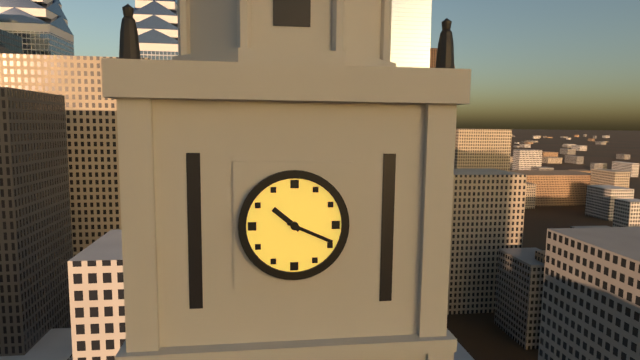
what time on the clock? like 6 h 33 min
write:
10 h 19 min
